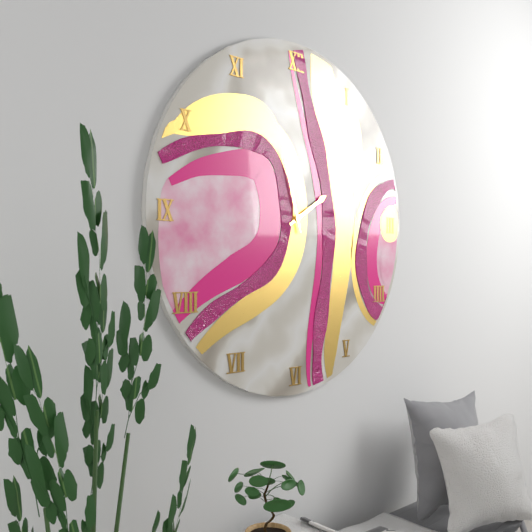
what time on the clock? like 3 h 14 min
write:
1 h 57 min
